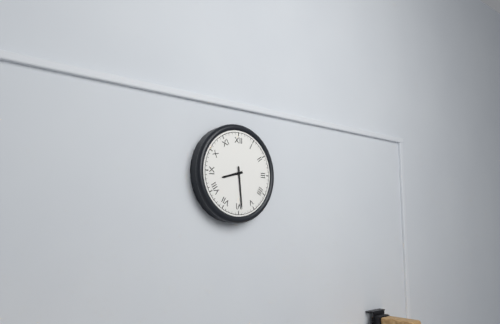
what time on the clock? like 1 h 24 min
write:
8 h 29 min
